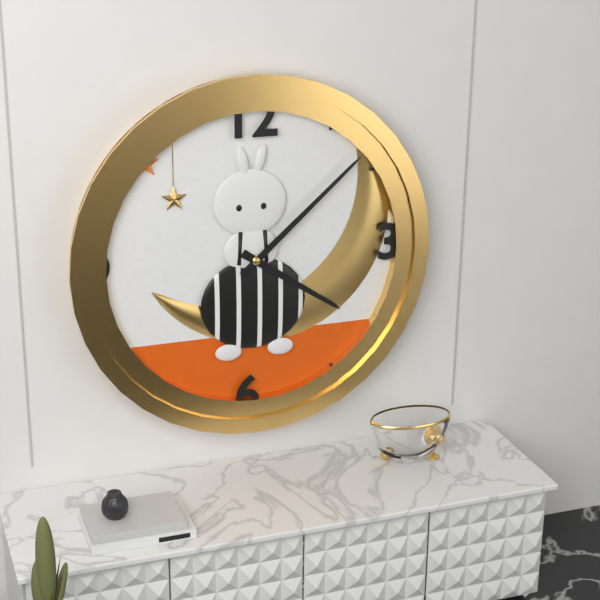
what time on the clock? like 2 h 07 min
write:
4 h 08 min
